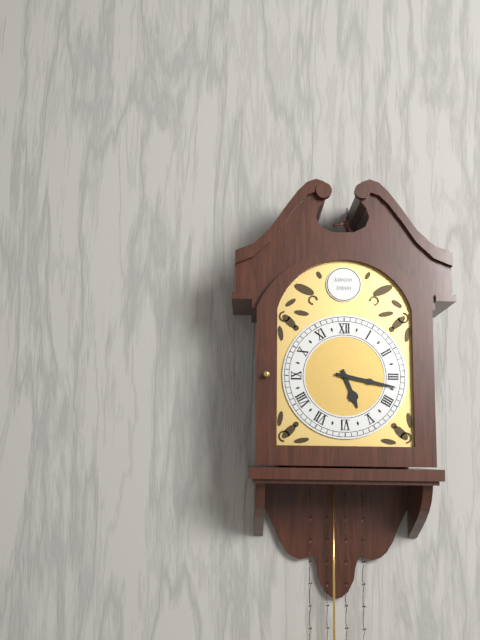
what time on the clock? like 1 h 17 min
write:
5 h 17 min
